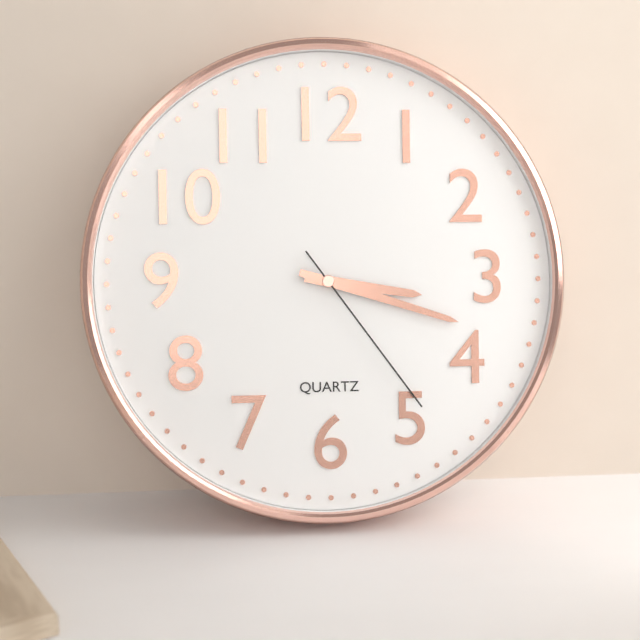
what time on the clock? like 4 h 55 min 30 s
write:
3 h 18 min 24 s
